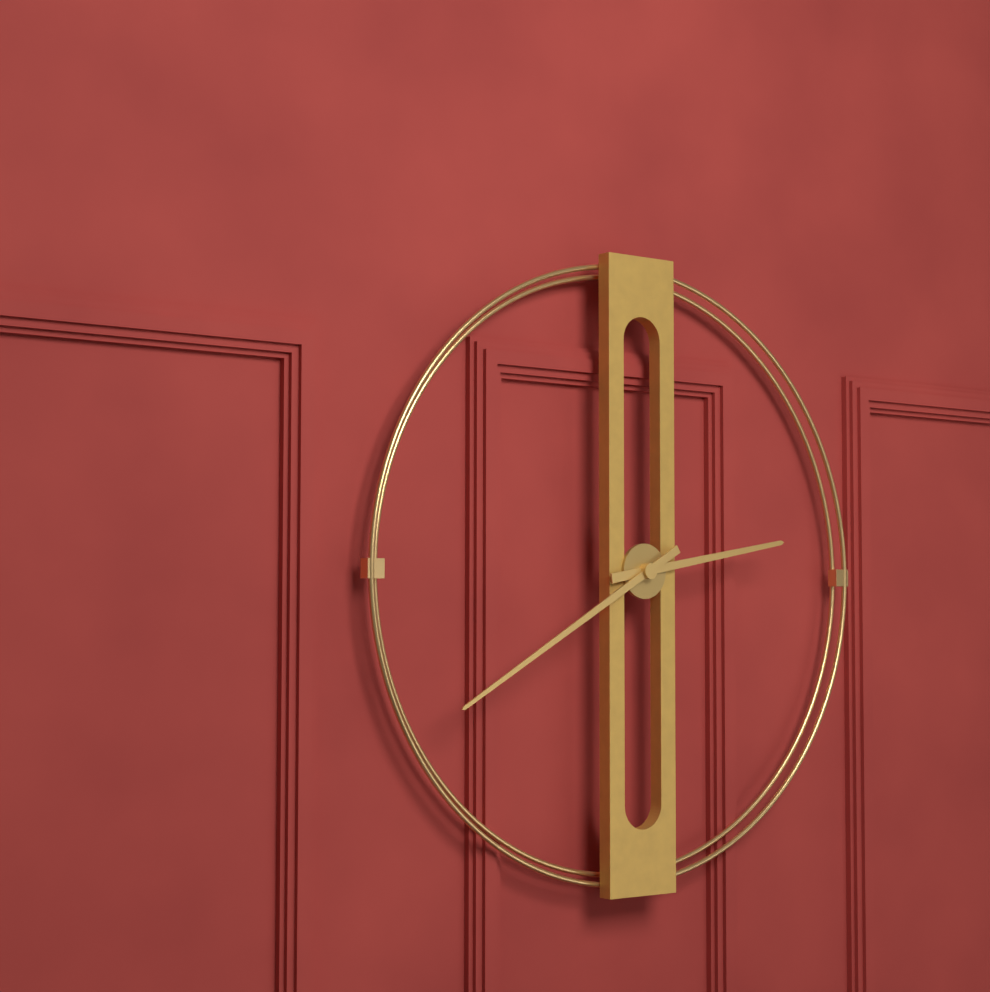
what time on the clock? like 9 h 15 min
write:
2 h 40 min
